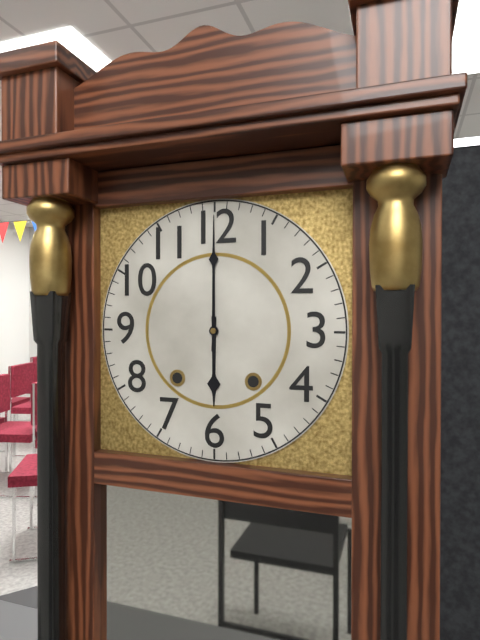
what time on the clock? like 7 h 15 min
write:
6 h 00 min
